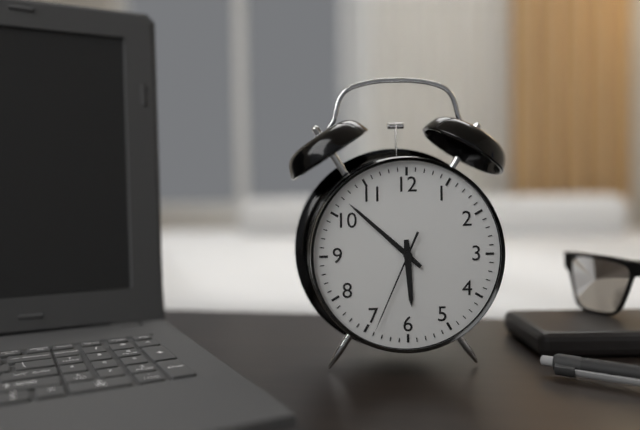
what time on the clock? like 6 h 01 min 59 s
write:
5 h 52 min 34 s
